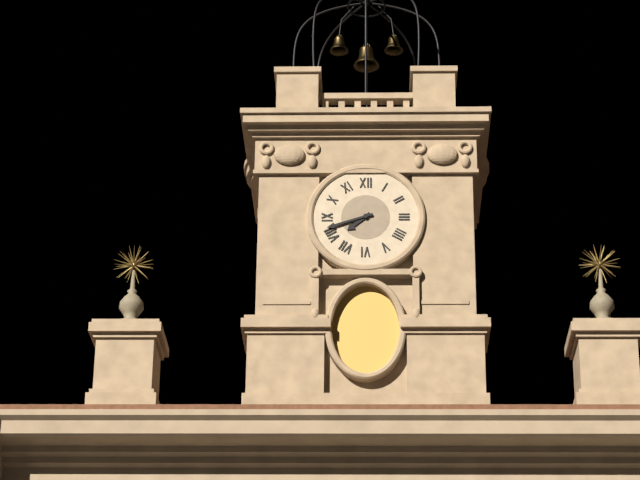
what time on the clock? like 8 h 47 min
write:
7 h 42 min
